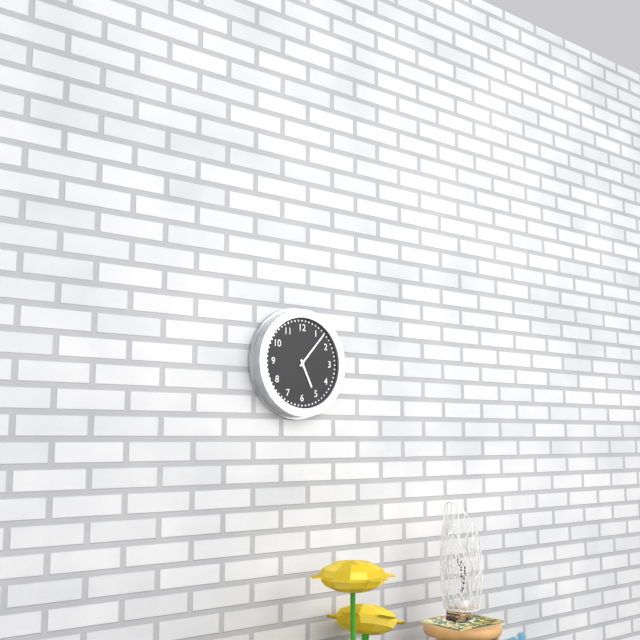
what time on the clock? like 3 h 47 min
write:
5 h 07 min
